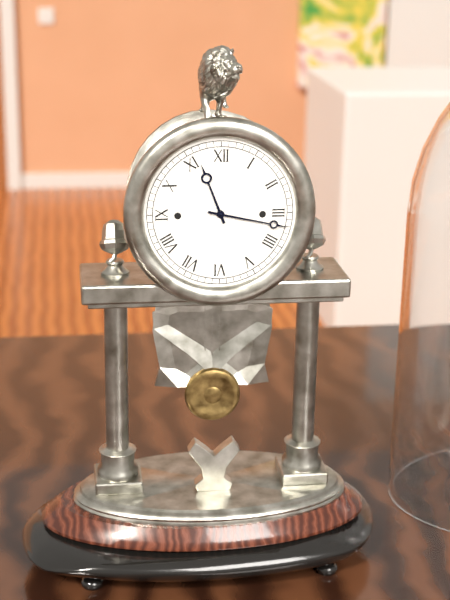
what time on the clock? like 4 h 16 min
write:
11 h 17 min
